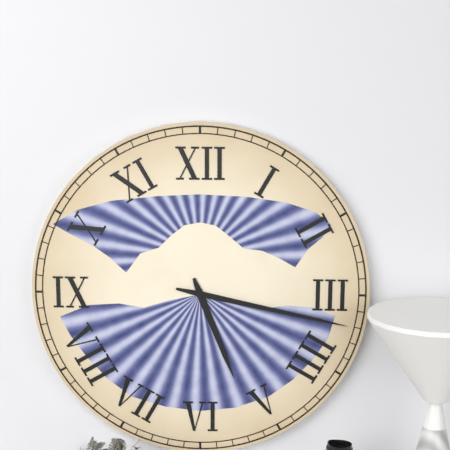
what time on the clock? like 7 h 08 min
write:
5 h 17 min
